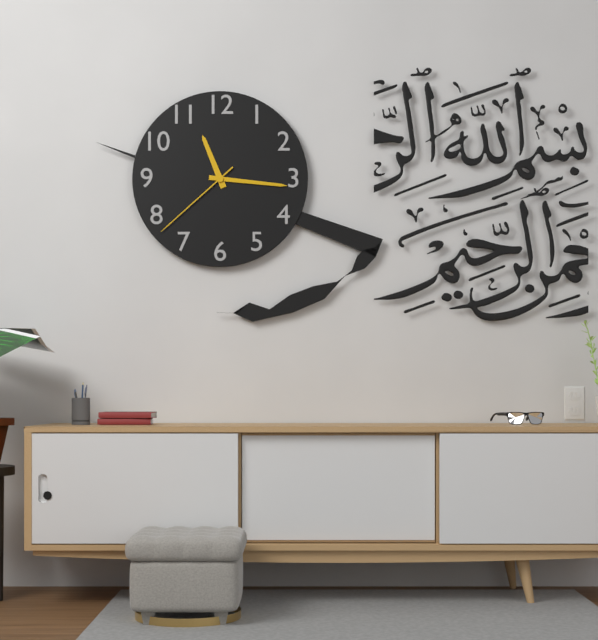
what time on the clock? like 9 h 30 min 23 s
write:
11 h 16 min 38 s
